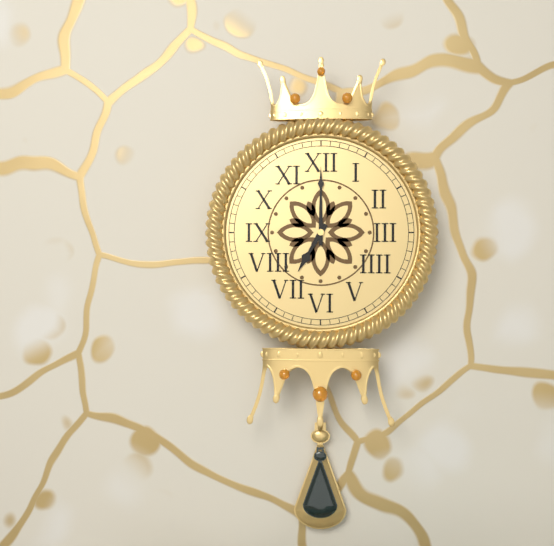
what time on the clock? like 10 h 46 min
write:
7 h 00 min
